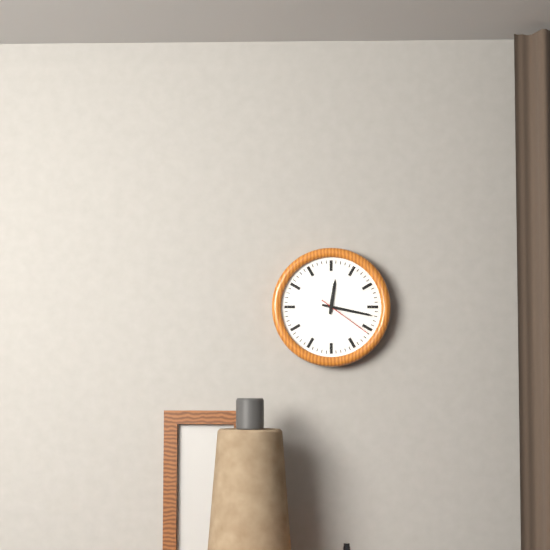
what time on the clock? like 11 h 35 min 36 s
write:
12 h 17 min 21 s
